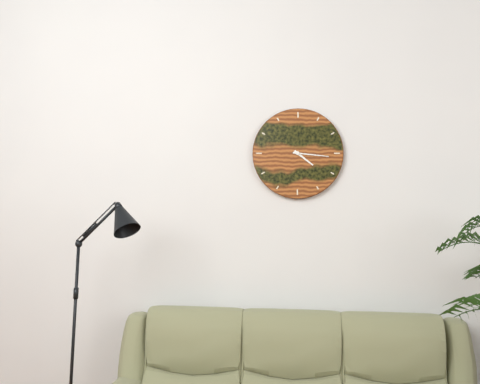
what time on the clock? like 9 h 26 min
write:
4 h 16 min
